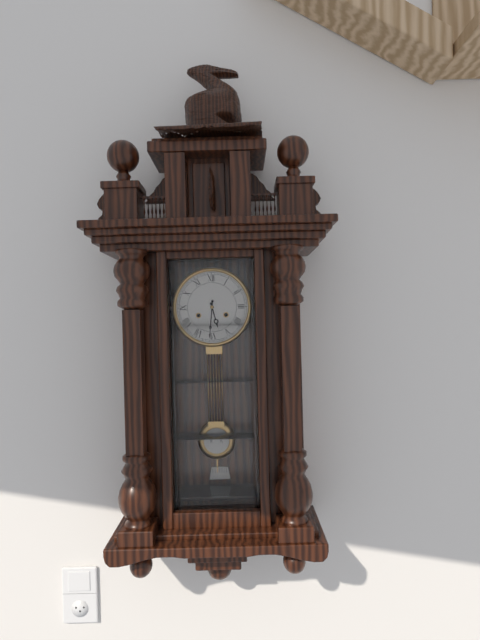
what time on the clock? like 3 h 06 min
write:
5 h 31 min
